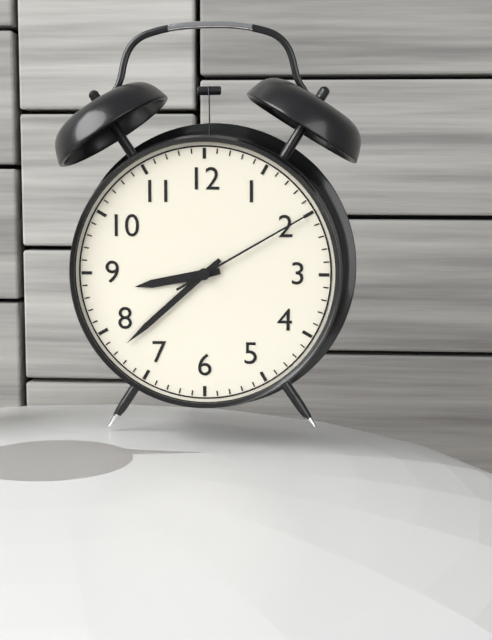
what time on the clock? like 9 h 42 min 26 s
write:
8 h 38 min 10 s
